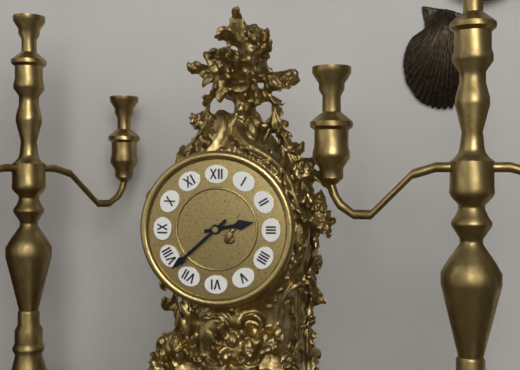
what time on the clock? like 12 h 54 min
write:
2 h 38 min
